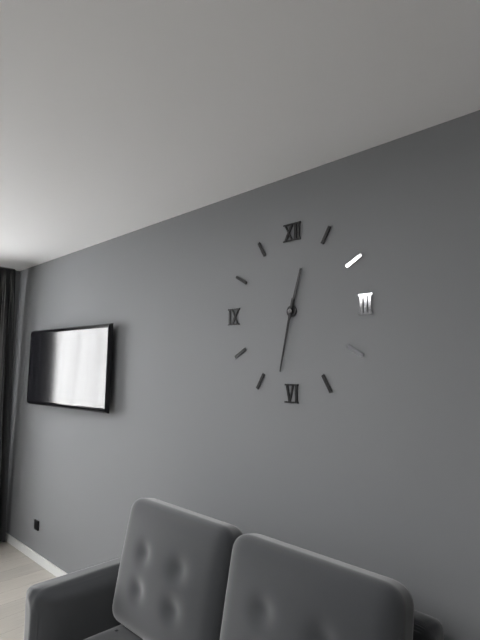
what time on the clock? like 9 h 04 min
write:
12 h 32 min
